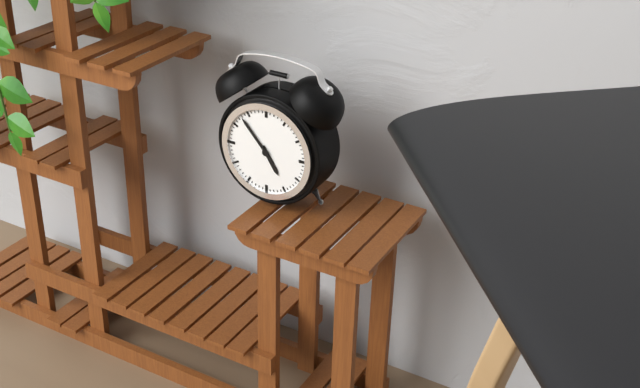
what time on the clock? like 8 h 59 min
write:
4 h 53 min
